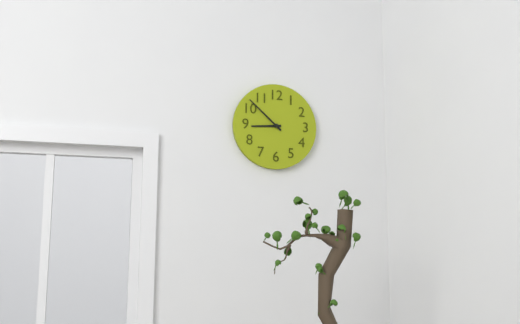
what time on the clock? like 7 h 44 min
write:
8 h 52 min
